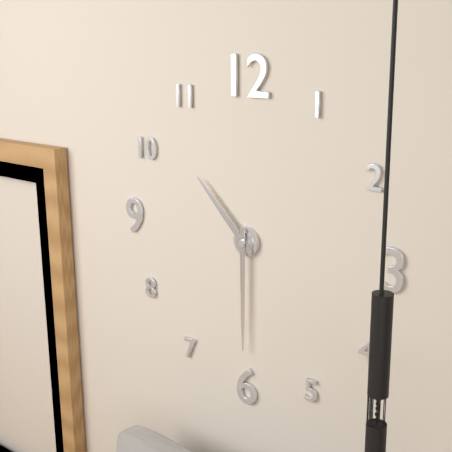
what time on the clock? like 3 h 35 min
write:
10 h 30 min
